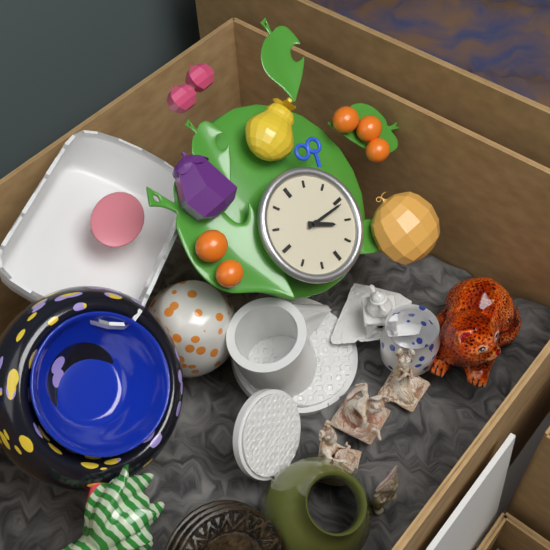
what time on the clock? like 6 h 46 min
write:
4 h 16 min
